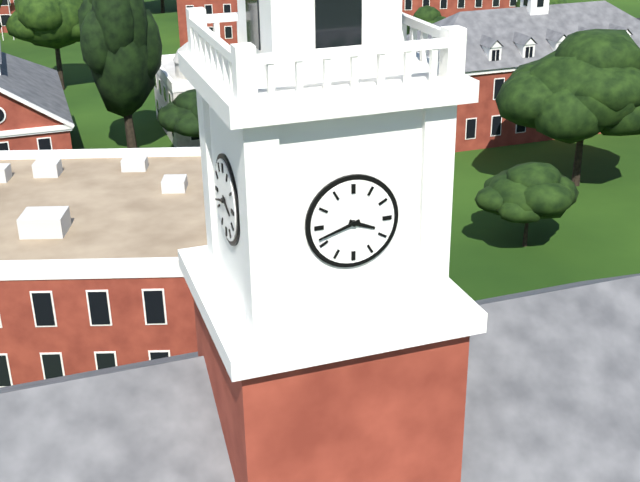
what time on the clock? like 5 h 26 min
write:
3 h 42 min
